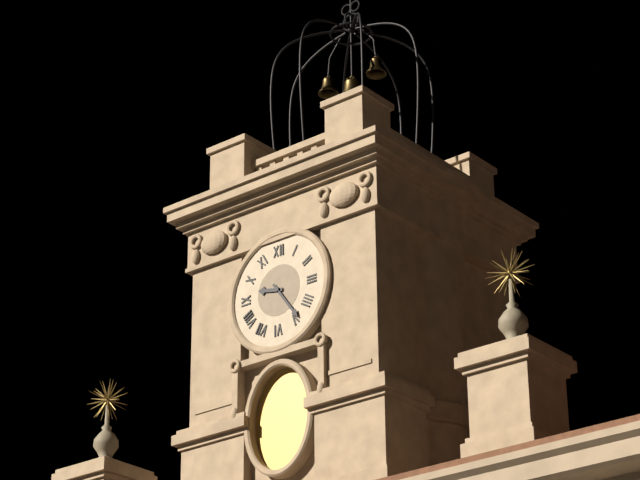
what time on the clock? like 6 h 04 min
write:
9 h 24 min
